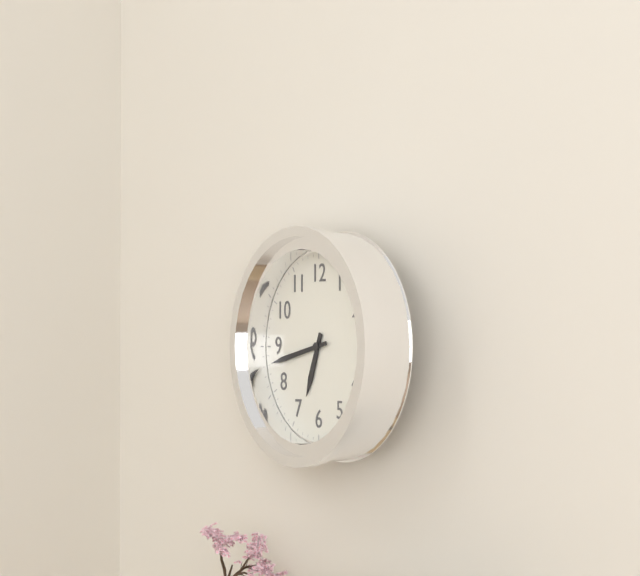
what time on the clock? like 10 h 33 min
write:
6 h 43 min
